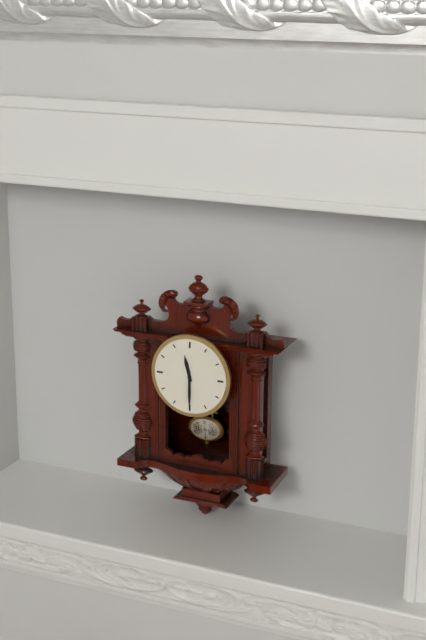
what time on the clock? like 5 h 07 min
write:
11 h 30 min
